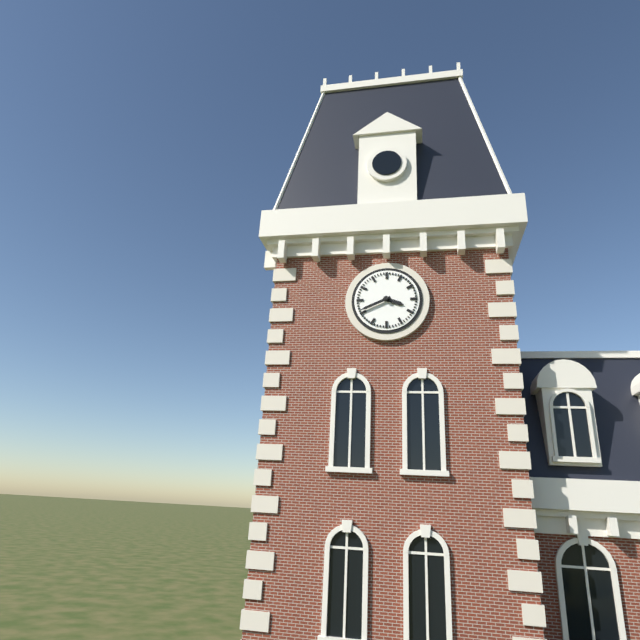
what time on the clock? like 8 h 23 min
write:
3 h 41 min
